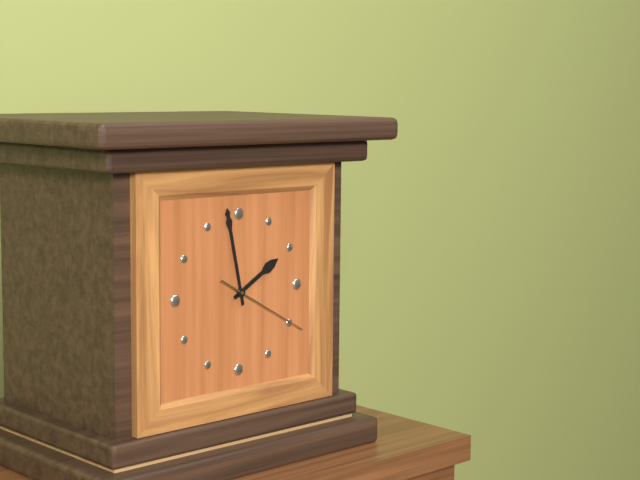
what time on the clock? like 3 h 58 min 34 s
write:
1 h 58 min 20 s
